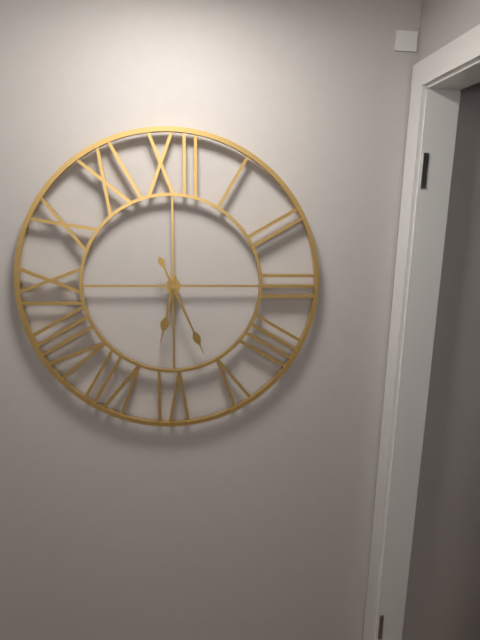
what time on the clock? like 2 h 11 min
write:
6 h 26 min
